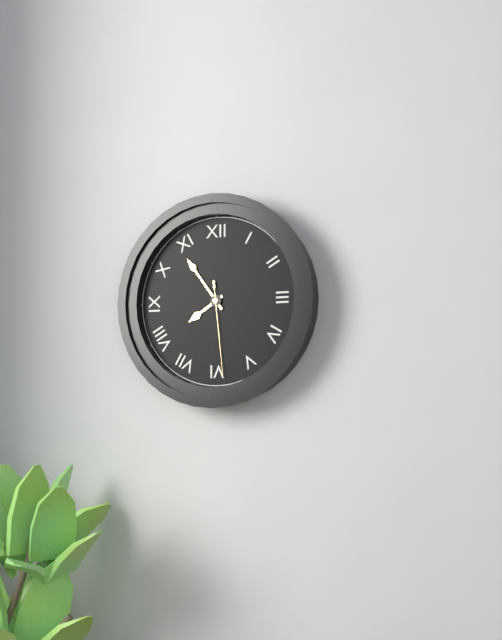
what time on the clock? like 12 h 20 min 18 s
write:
7 h 54 min 29 s
